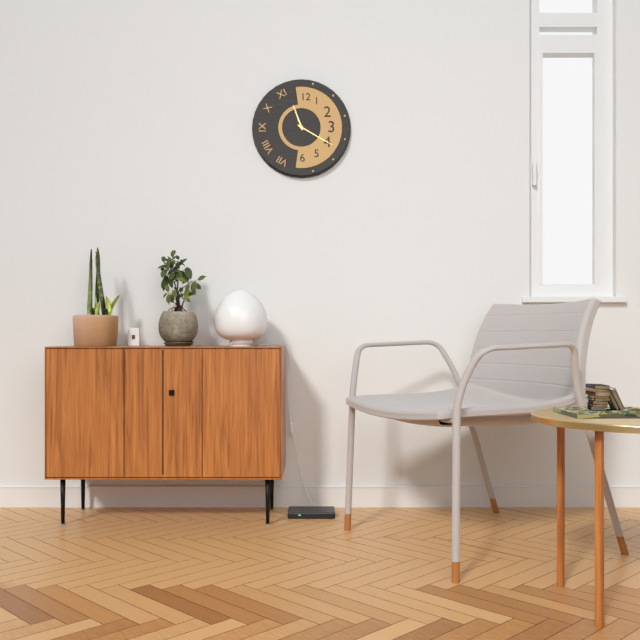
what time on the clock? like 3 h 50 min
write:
11 h 20 min
